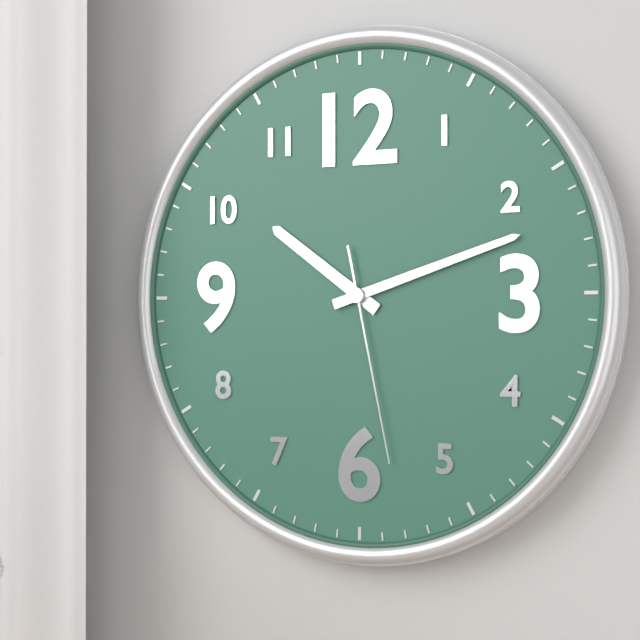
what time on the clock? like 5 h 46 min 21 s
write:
10 h 12 min 28 s
